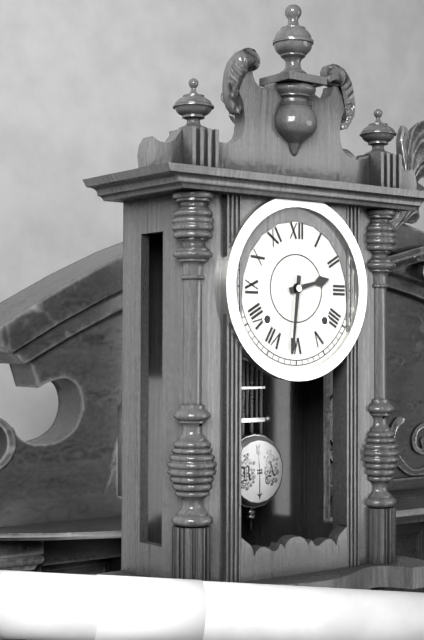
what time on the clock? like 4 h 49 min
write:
2 h 31 min
